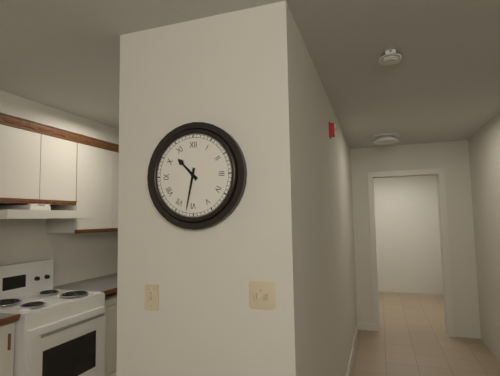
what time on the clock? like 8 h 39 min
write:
10 h 32 min
